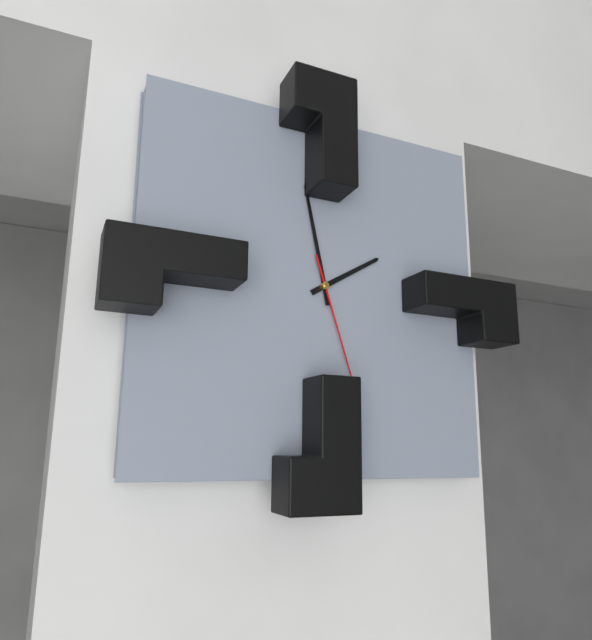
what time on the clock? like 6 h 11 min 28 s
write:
1 h 58 min 27 s
